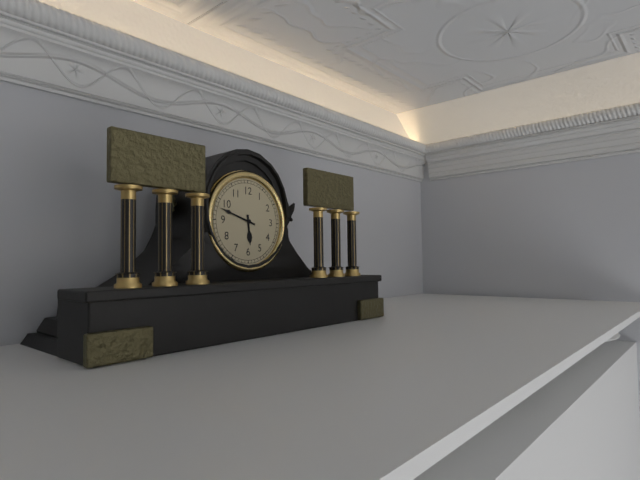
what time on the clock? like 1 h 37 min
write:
5 h 48 min
